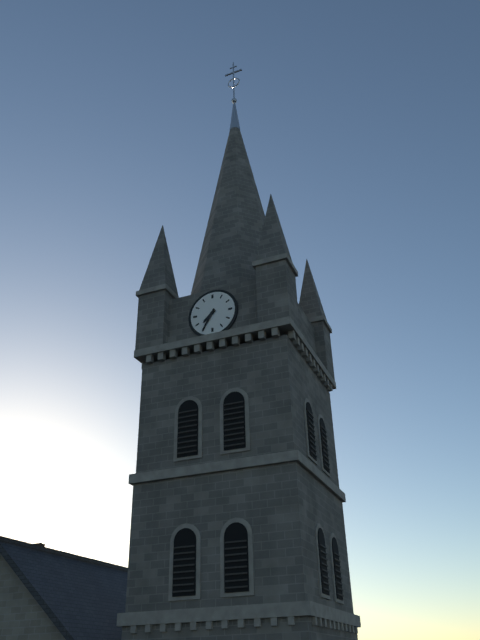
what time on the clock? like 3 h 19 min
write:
7 h 35 min
